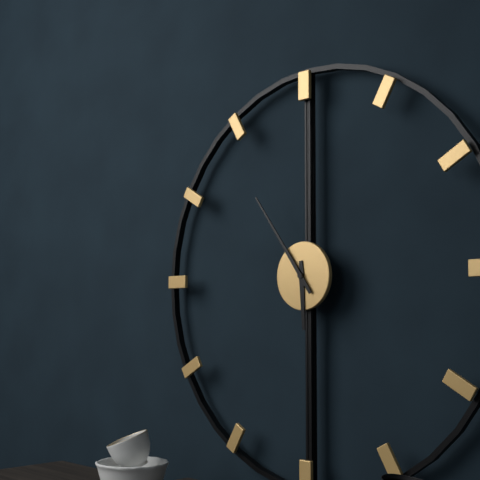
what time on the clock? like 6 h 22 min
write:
5 h 54 min
